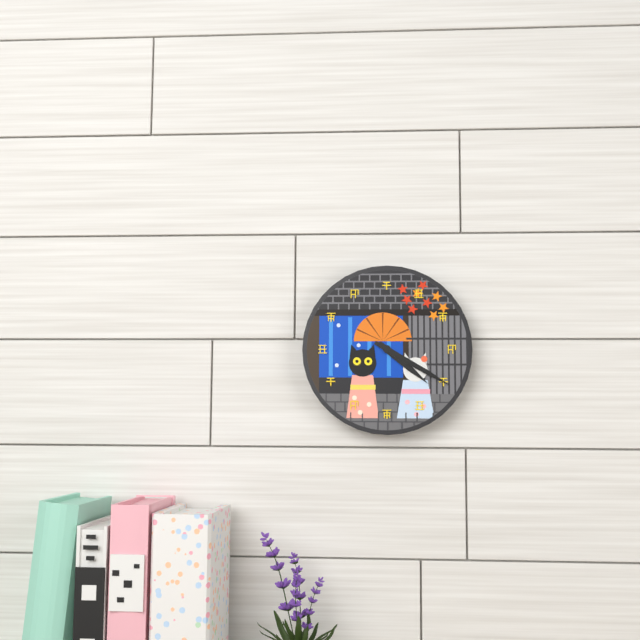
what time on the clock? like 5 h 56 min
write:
4 h 20 min
